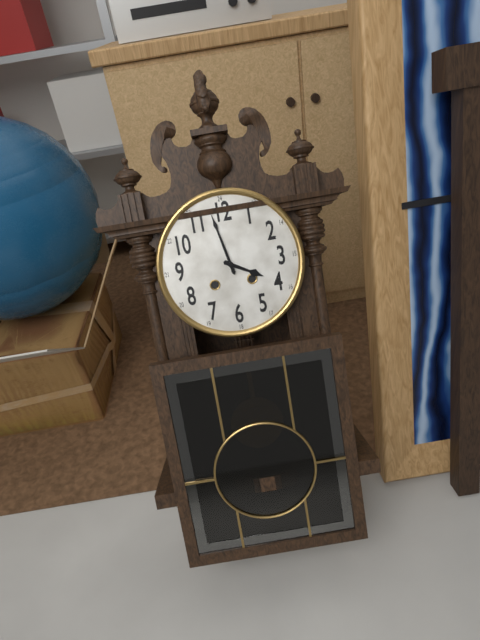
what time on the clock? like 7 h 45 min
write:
3 h 58 min
